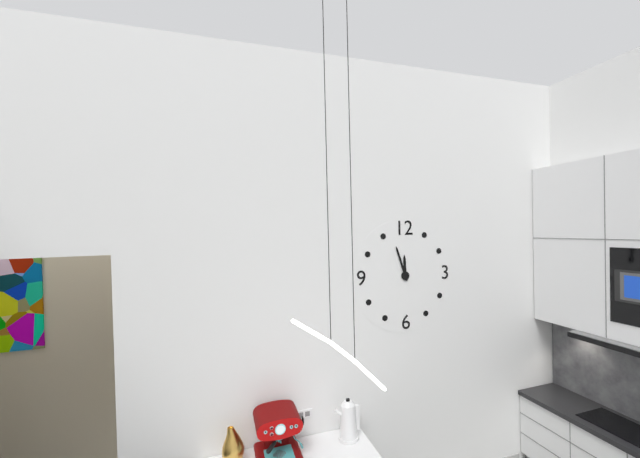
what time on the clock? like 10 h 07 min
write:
11 h 57 min
